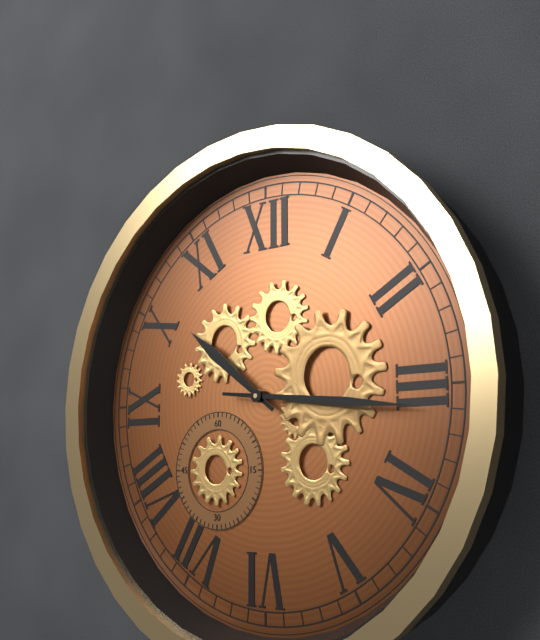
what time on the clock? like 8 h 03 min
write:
10 h 16 min
